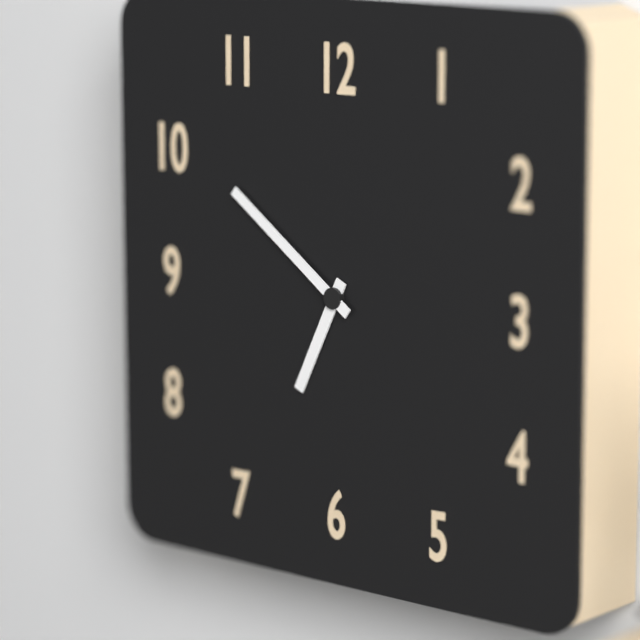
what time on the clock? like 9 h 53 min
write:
6 h 51 min
